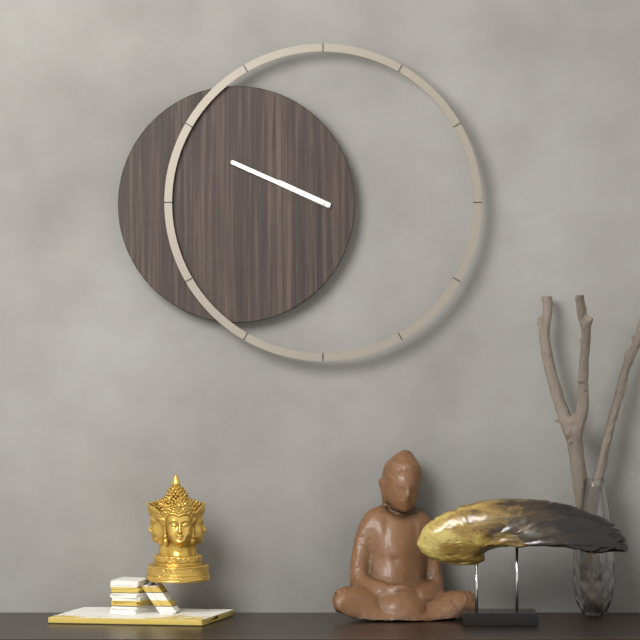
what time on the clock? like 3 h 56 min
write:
9 h 49 min
